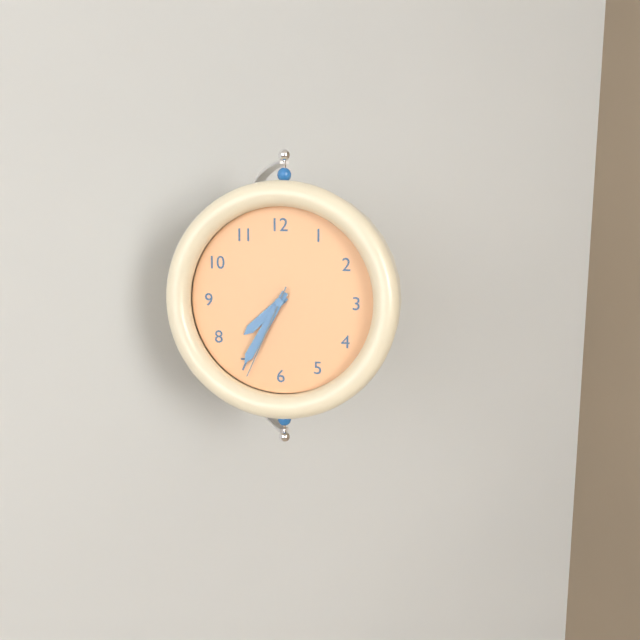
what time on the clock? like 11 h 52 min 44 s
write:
7 h 35 min 34 s
